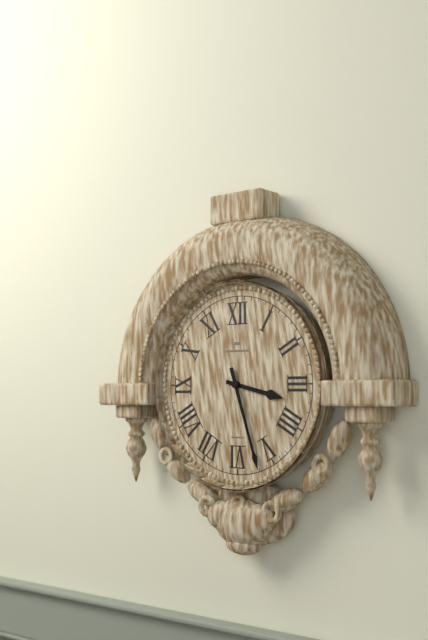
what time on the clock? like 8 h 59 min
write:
3 h 27 min
